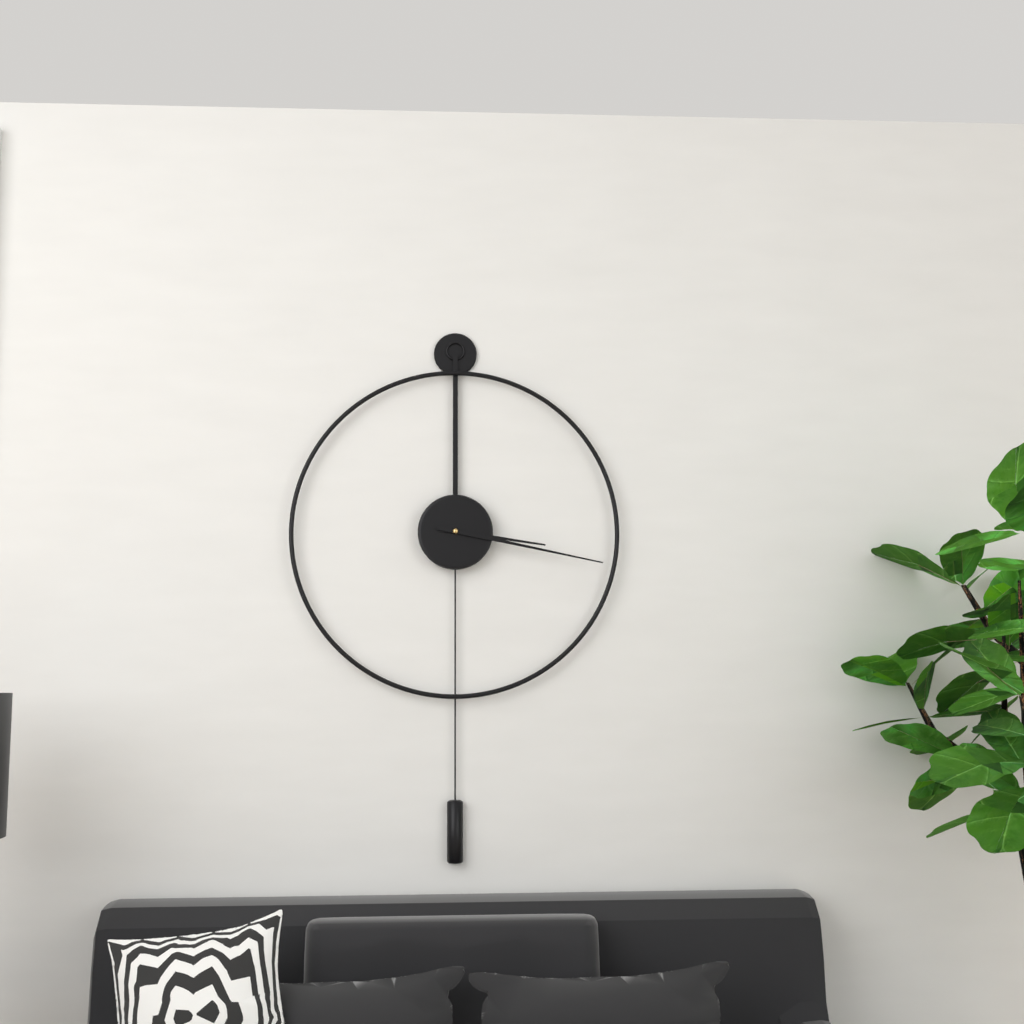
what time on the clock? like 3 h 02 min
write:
3 h 17 min
